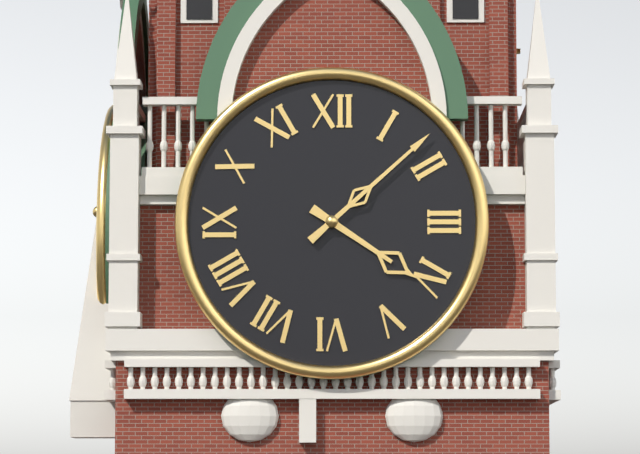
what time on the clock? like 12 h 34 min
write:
4 h 08 min
